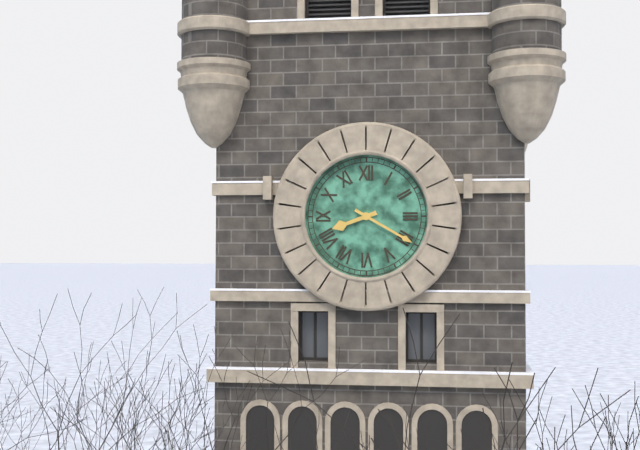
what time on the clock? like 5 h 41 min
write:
8 h 20 min
